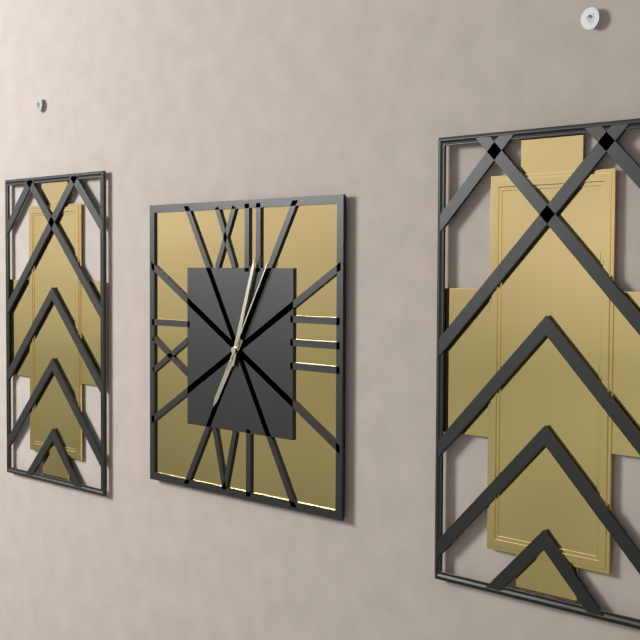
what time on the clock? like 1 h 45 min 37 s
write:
7 h 03 min 05 s
